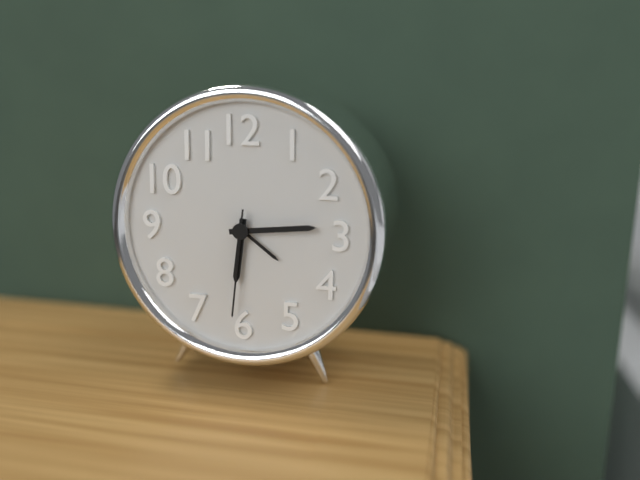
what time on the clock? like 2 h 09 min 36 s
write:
6 h 14 min 31 s
